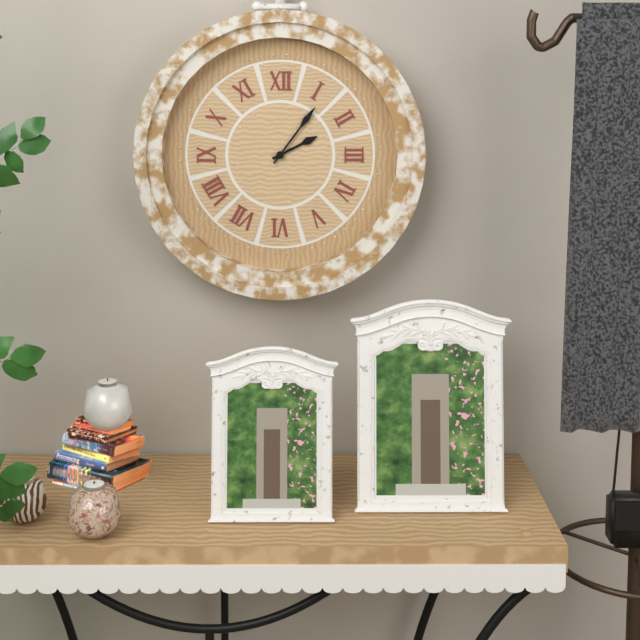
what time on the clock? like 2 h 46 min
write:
2 h 06 min
